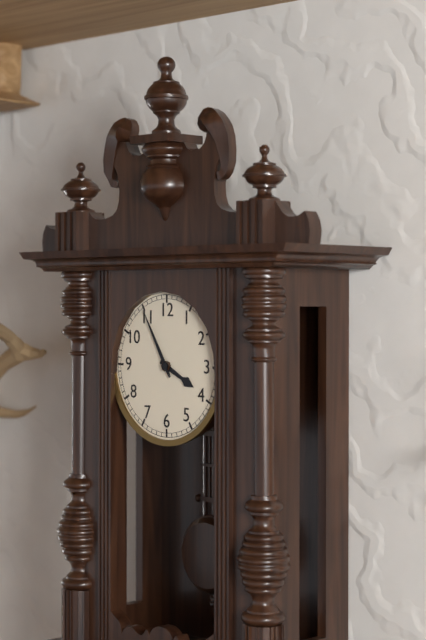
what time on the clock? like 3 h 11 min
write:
3 h 55 min
